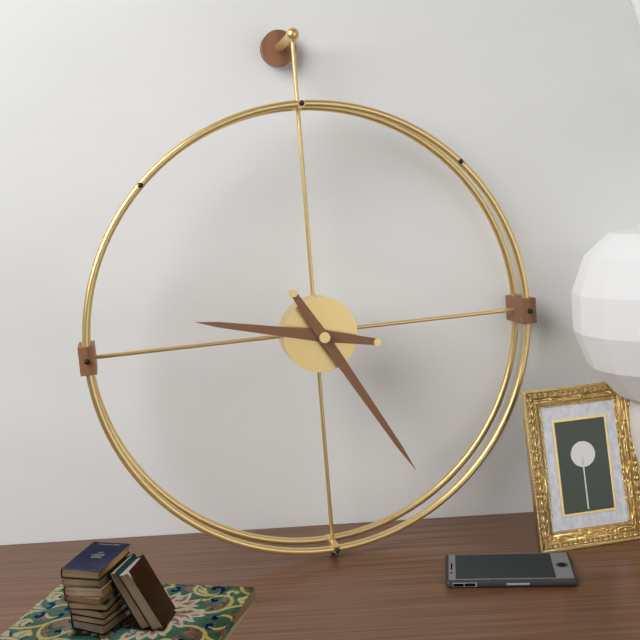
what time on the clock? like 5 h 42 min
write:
9 h 25 min
